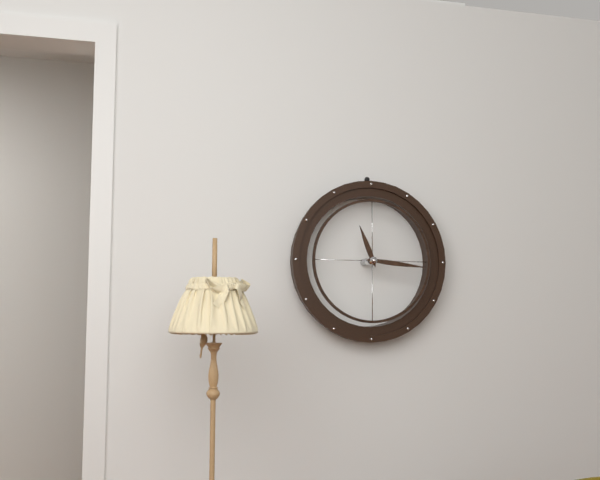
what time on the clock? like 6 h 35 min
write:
11 h 16 min
